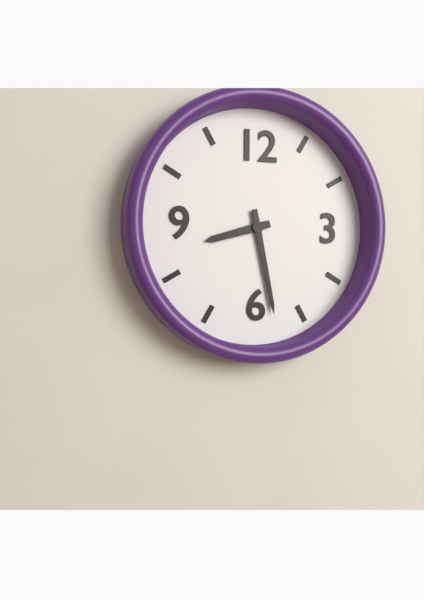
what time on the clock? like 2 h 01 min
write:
8 h 28 min
